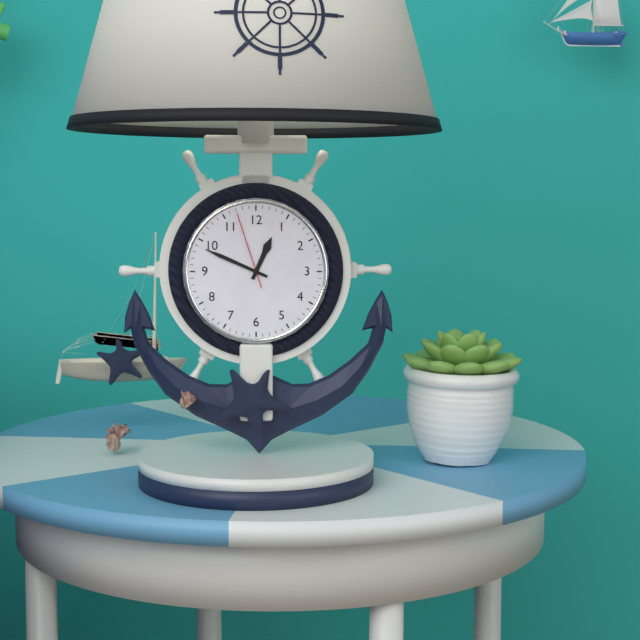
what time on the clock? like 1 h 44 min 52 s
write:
12 h 49 min 57 s
